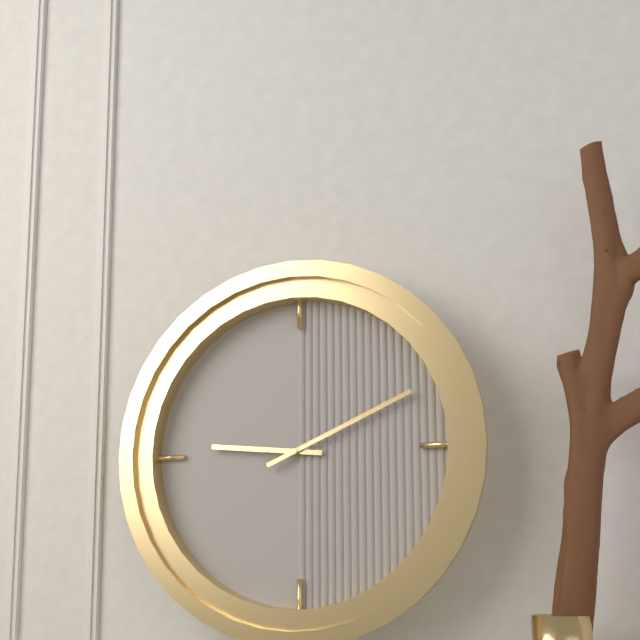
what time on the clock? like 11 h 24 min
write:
9 h 11 min
